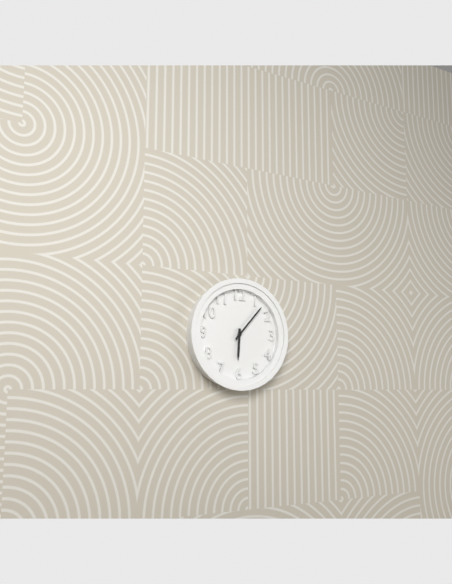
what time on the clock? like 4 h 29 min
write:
6 h 07 min
